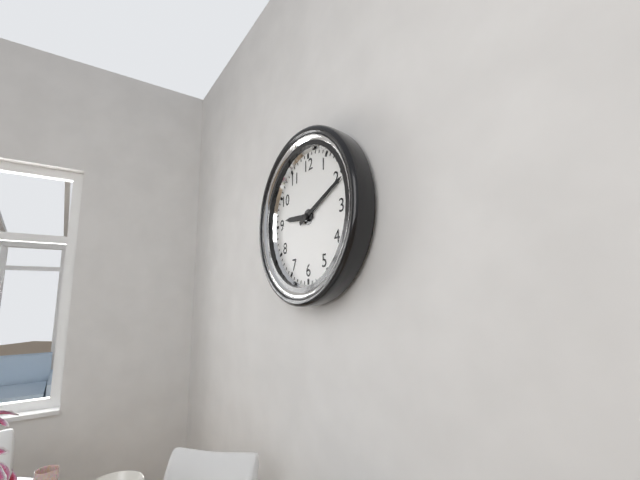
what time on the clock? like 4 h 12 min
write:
9 h 11 min
